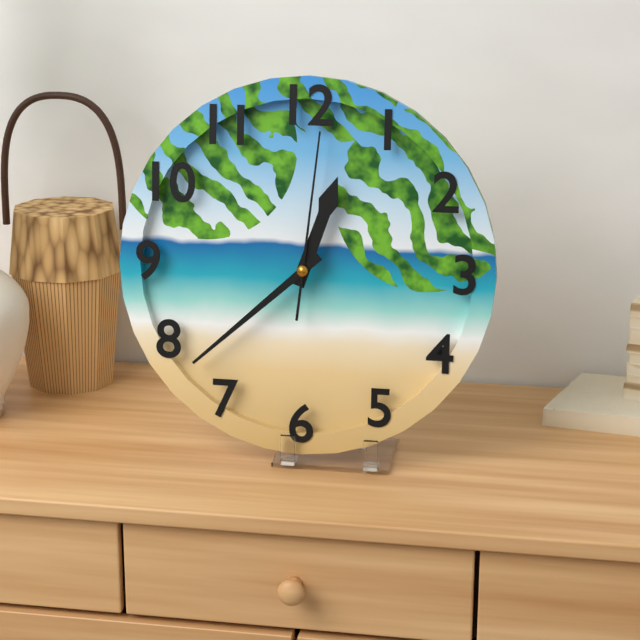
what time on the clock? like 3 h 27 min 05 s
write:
12 h 38 min 01 s
